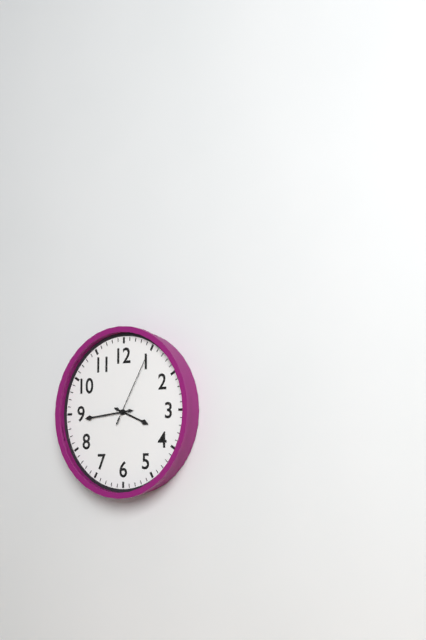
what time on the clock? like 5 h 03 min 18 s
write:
3 h 44 min 05 s
